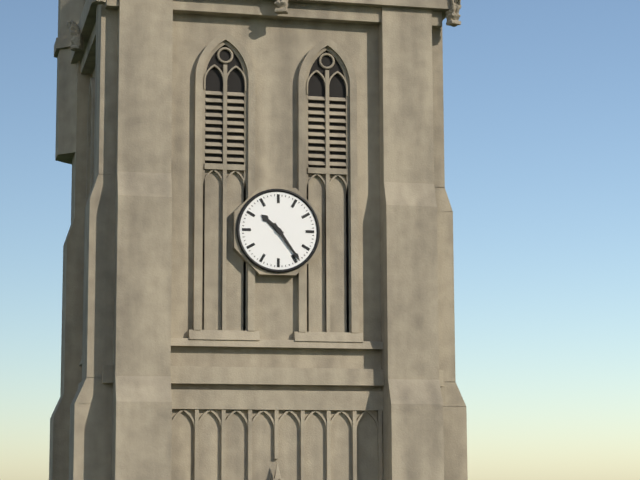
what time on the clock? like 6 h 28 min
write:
10 h 24 min
